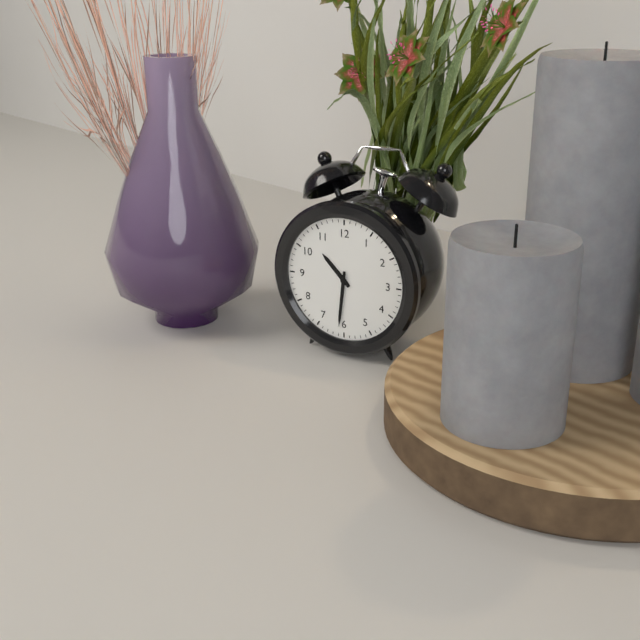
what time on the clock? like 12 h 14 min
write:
10 h 31 min
